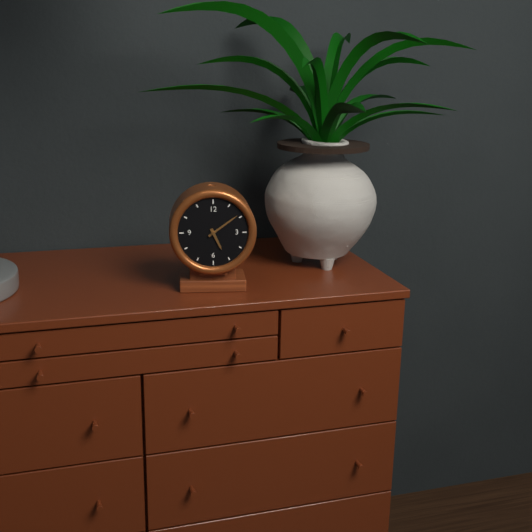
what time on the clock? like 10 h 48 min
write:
5 h 09 min
